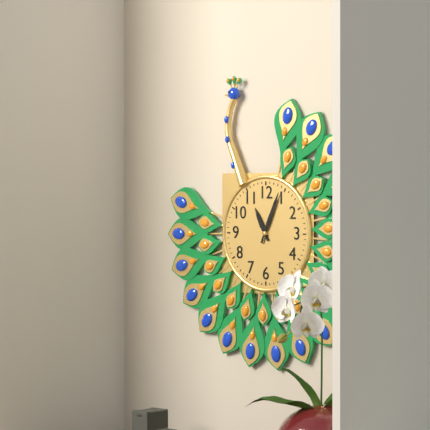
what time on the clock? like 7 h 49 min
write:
11 h 04 min
